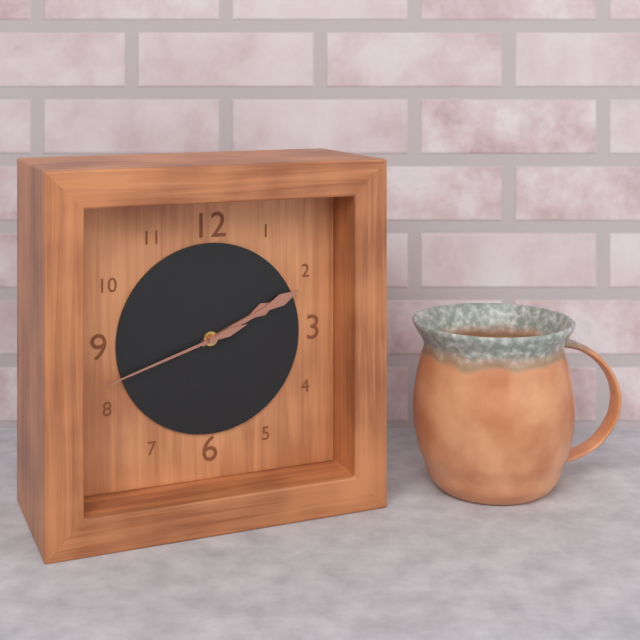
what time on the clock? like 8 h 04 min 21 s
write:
2 h 11 min 42 s
